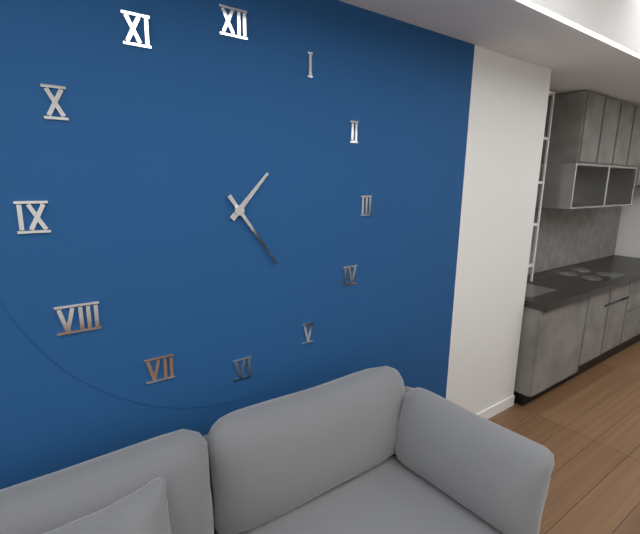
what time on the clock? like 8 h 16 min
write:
1 h 24 min
